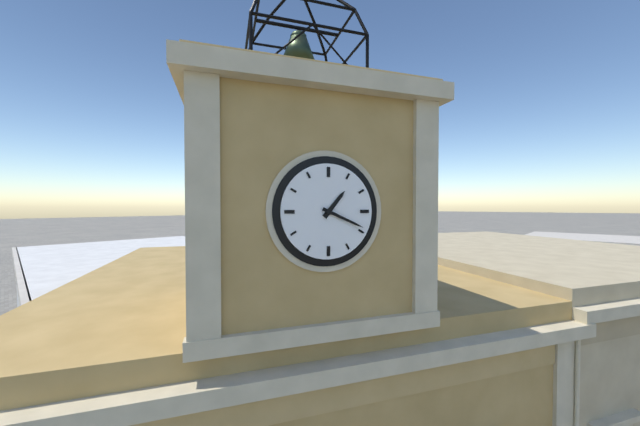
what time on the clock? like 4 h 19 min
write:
1 h 19 min
